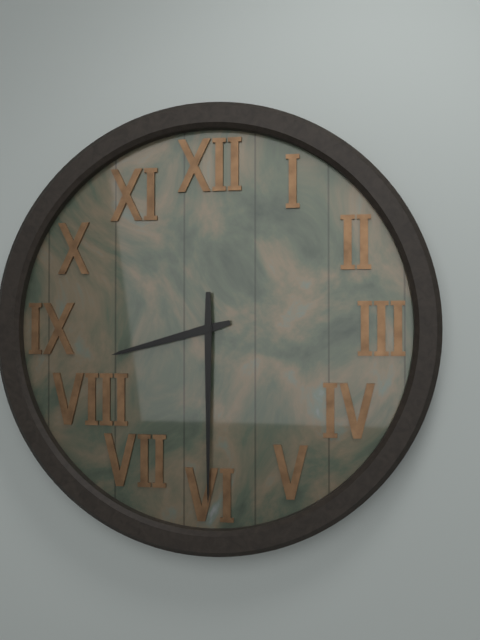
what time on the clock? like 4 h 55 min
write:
8 h 30 min
